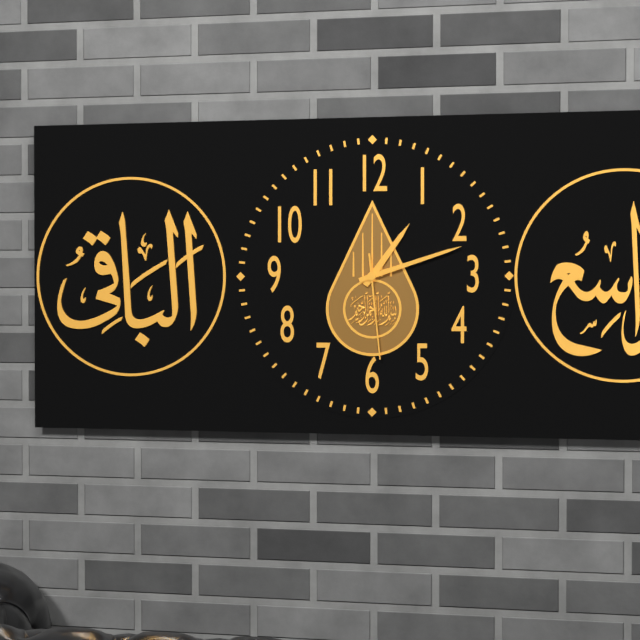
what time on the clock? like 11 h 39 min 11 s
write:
1 h 12 min 29 s
